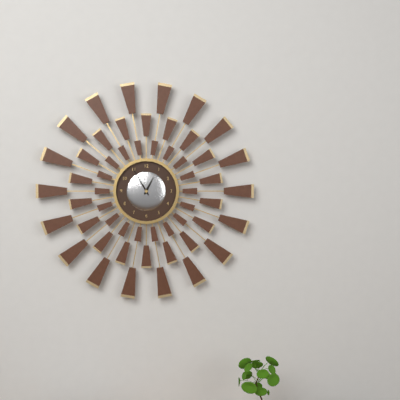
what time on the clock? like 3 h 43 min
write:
12 h 55 min
